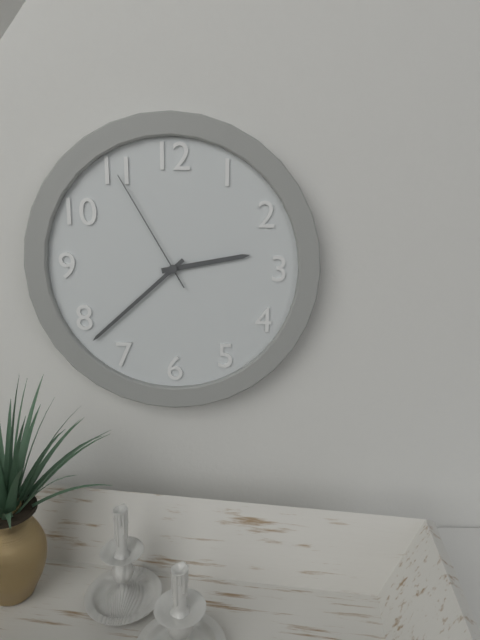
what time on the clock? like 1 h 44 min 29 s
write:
2 h 38 min 55 s
